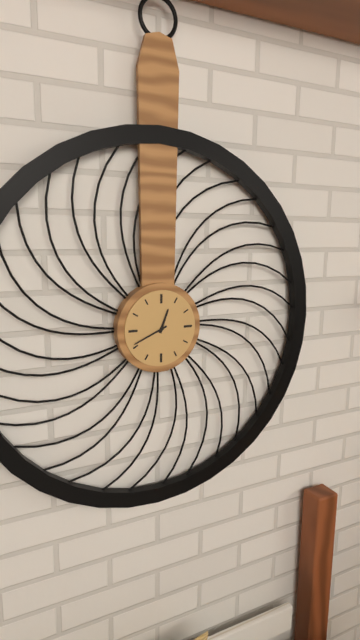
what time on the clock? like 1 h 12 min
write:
12 h 41 min
